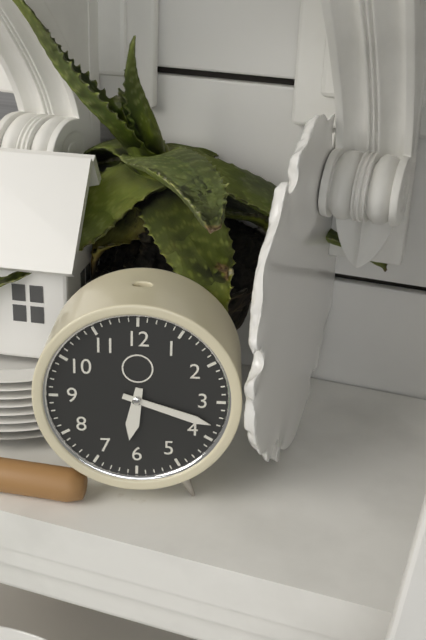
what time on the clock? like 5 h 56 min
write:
6 h 18 min
